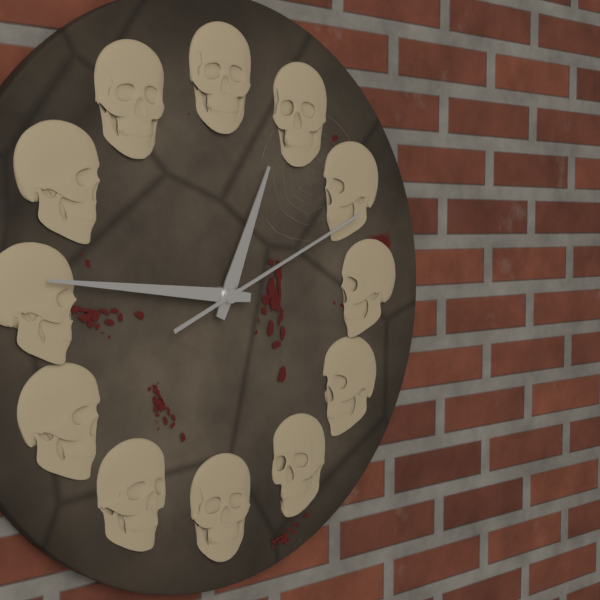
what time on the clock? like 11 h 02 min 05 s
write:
12 h 46 min 11 s
